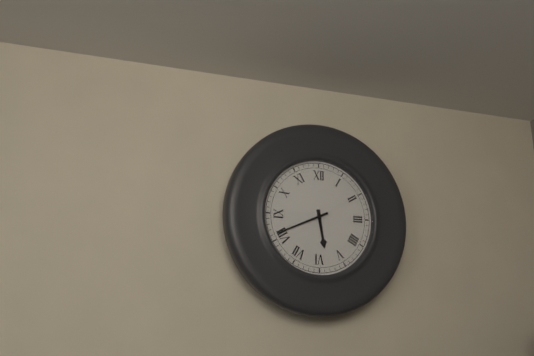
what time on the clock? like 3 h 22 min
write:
5 h 41 min
